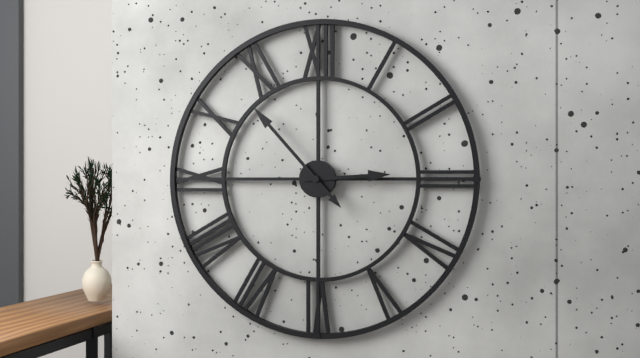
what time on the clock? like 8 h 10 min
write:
2 h 53 min
